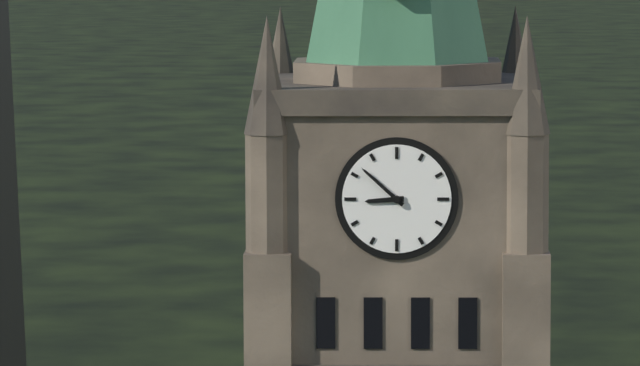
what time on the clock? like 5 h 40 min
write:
8 h 52 min
